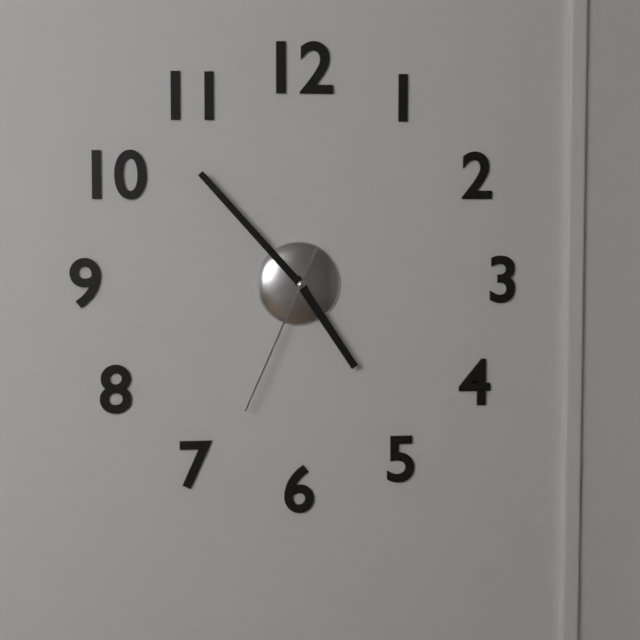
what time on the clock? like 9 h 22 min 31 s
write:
4 h 53 min 34 s
